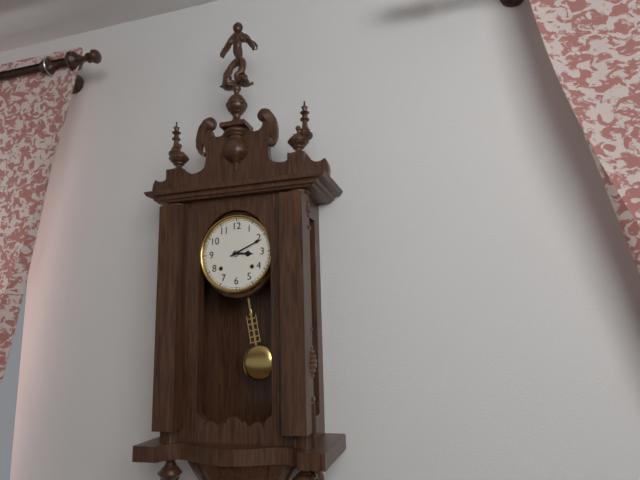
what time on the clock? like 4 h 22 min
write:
3 h 11 min
